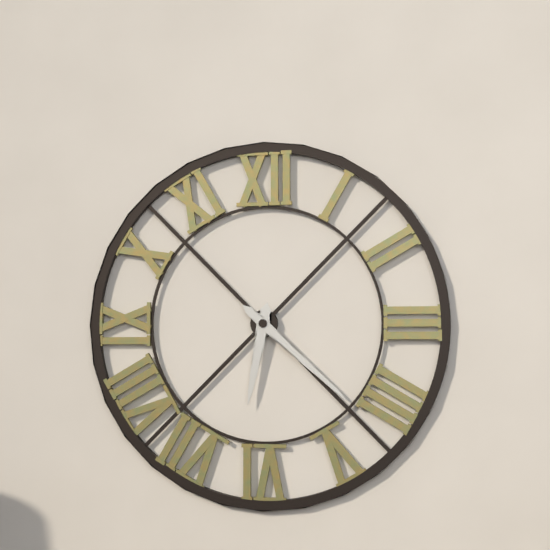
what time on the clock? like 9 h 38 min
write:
6 h 22 min
